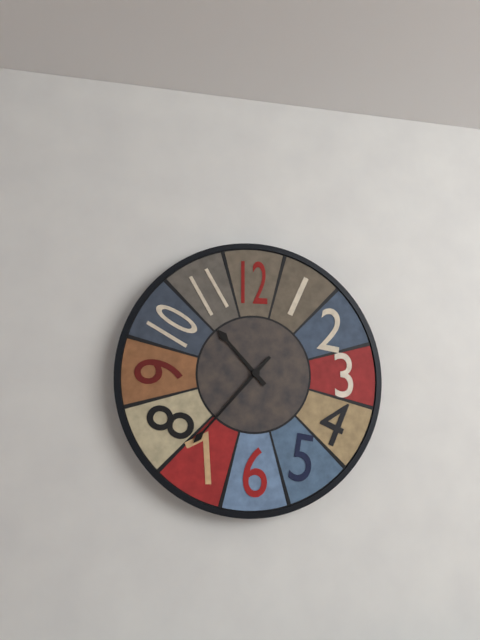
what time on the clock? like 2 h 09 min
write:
10 h 37 min
